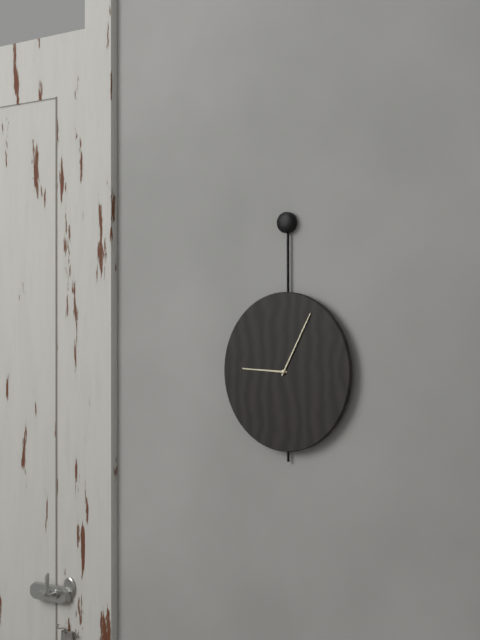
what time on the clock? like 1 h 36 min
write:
9 h 05 min
